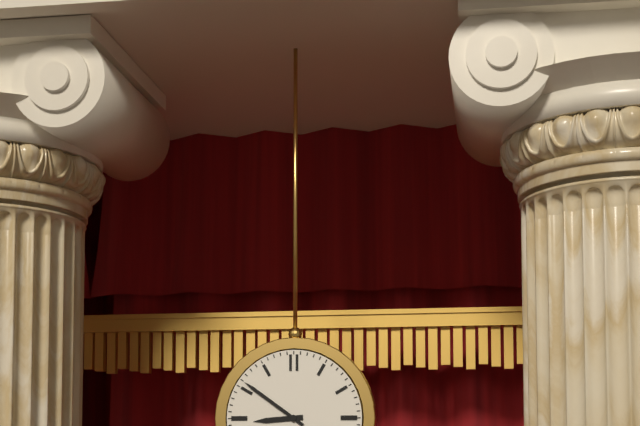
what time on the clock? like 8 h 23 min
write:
8 h 51 min
